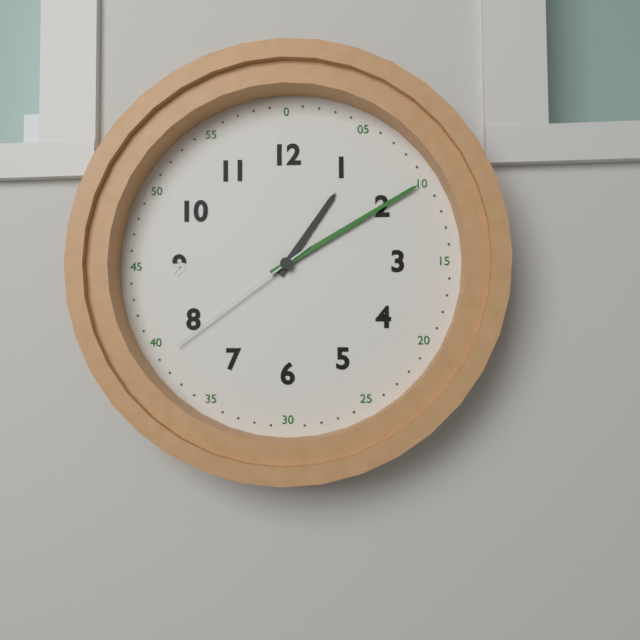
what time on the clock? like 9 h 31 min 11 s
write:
1 h 10 min 39 s
